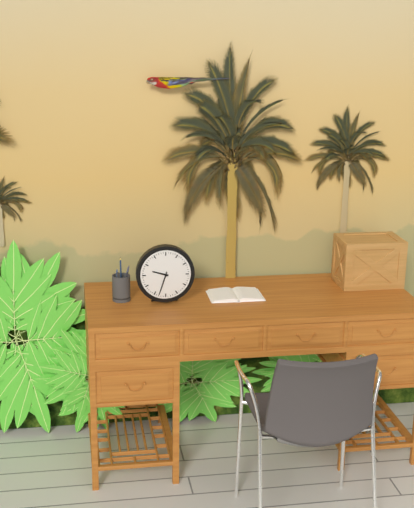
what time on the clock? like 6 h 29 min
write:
9 h 33 min
